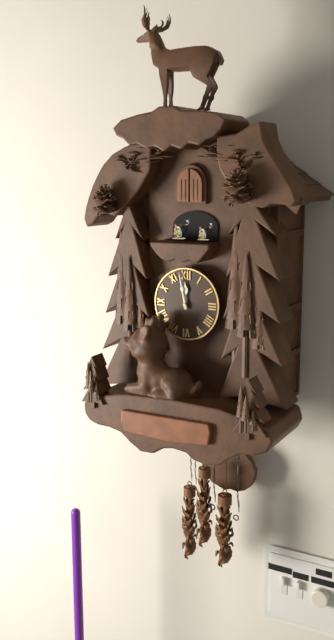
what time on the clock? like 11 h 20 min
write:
11 h 58 min
